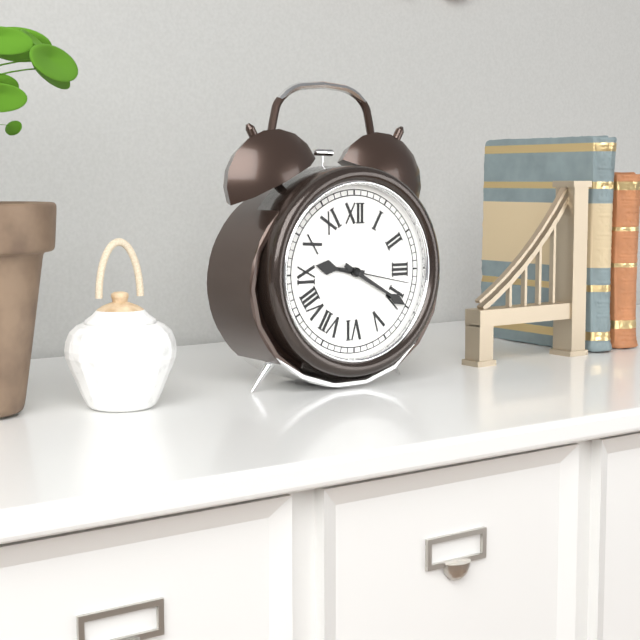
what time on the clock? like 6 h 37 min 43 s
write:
9 h 20 min 17 s
